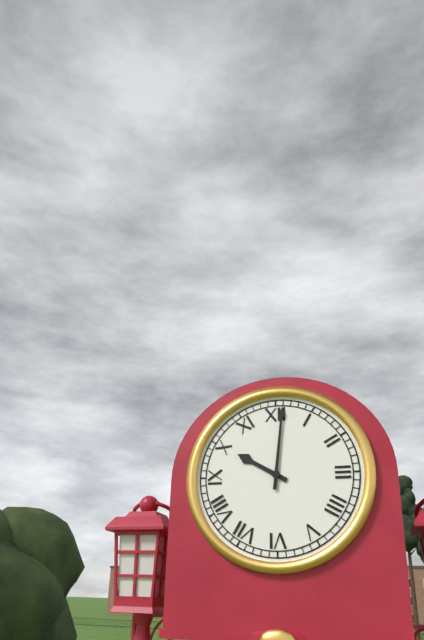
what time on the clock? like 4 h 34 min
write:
10 h 01 min
